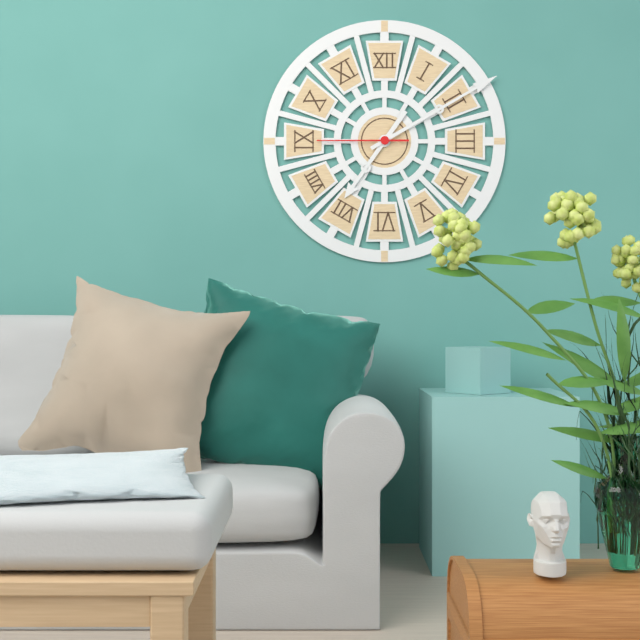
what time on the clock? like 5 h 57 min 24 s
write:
7 h 10 min 45 s
